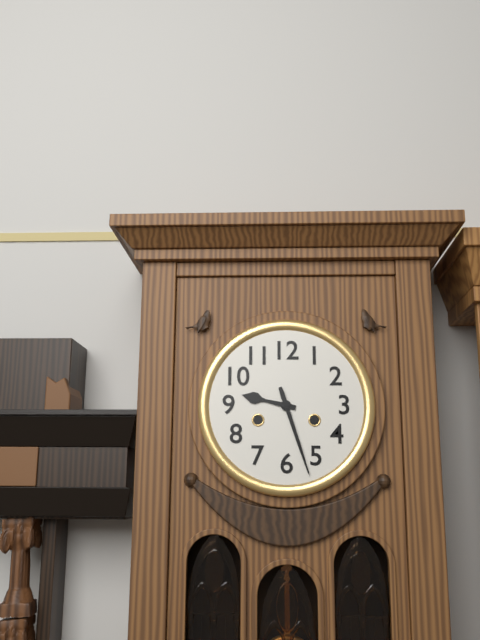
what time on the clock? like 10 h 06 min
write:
9 h 27 min
